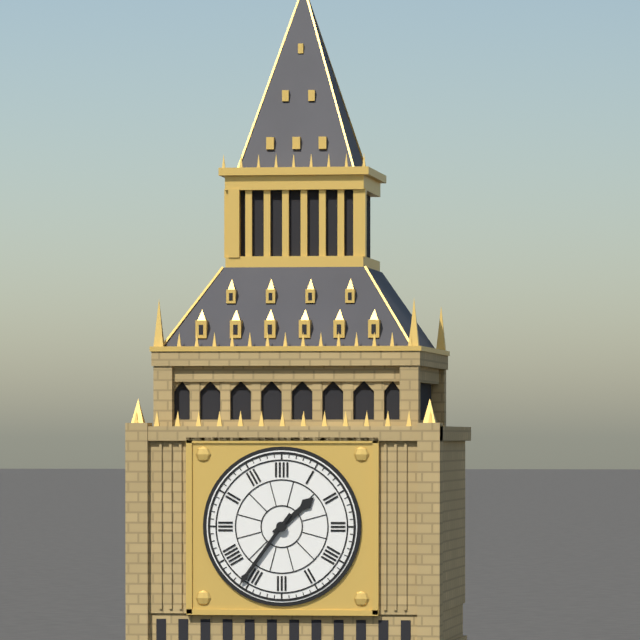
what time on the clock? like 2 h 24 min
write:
1 h 36 min
